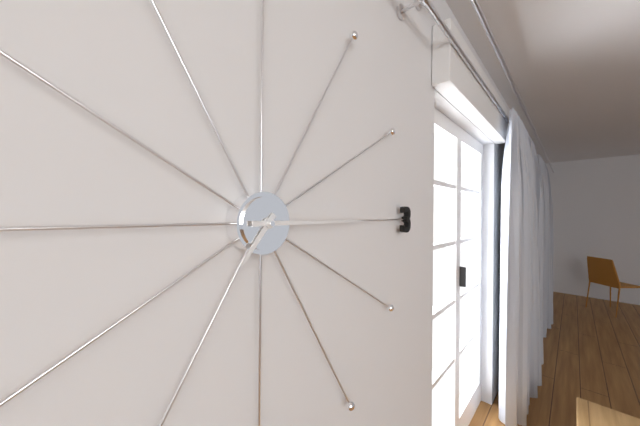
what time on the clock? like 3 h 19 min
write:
7 h 15 min
